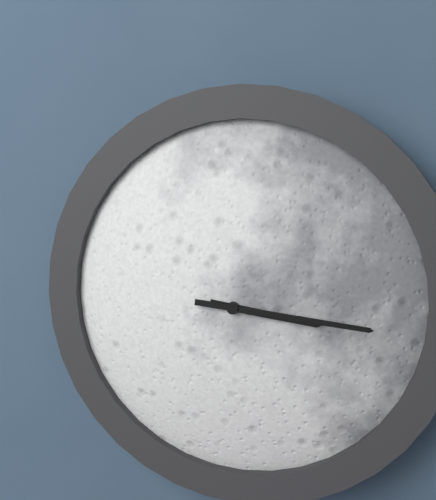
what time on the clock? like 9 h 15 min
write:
3 h 16 min
